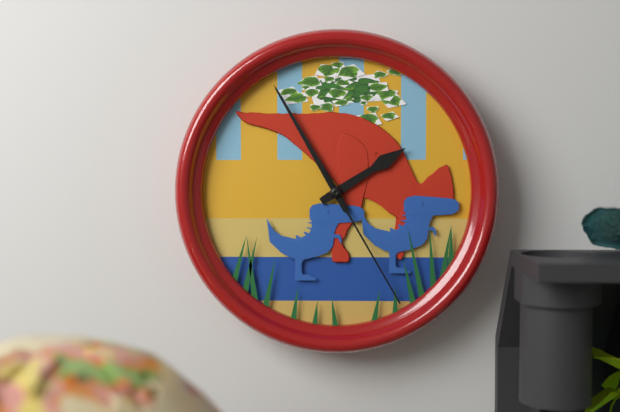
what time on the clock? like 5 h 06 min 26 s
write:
1 h 55 min 25 s
